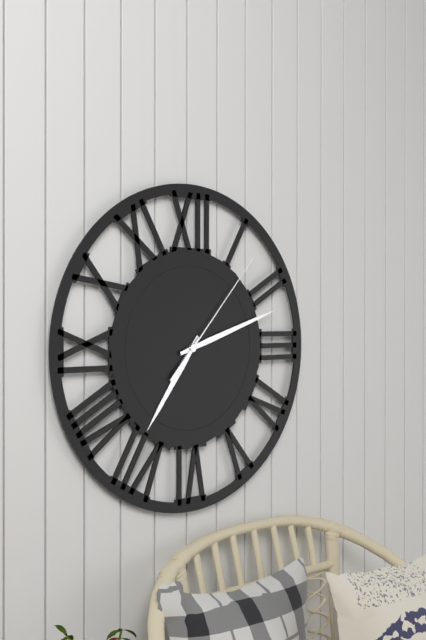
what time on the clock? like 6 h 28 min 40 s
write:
7 h 12 min 07 s
